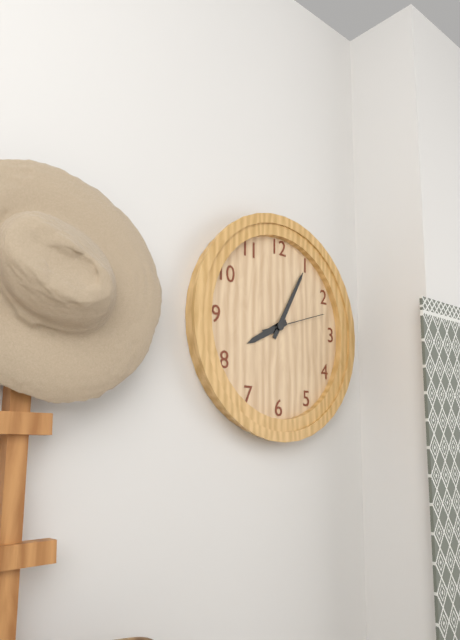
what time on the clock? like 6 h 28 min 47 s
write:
8 h 05 min 12 s
